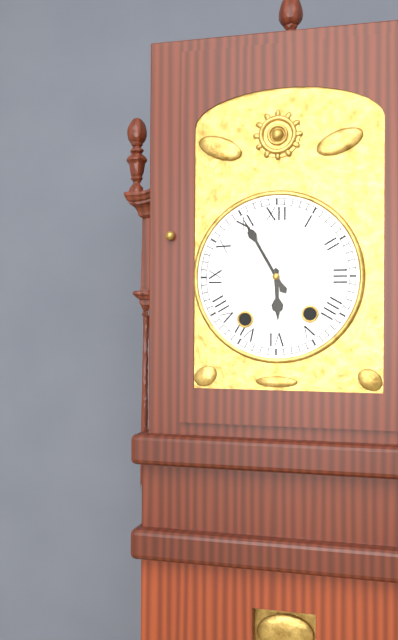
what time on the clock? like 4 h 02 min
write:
5 h 55 min
